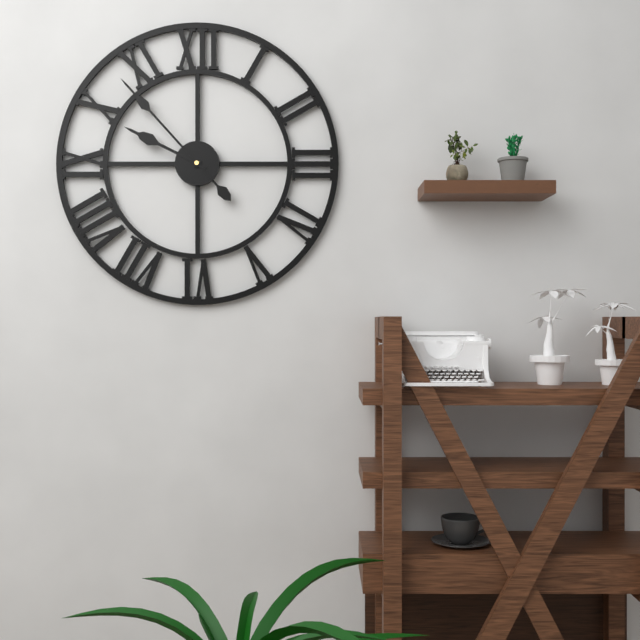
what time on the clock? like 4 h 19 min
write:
9 h 53 min
